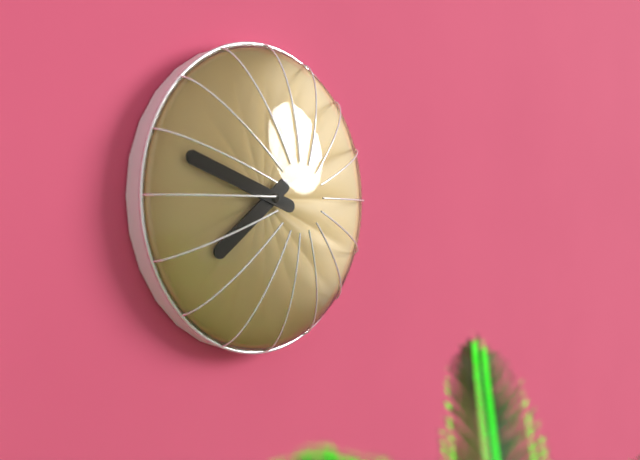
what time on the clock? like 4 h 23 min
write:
7 h 48 min
